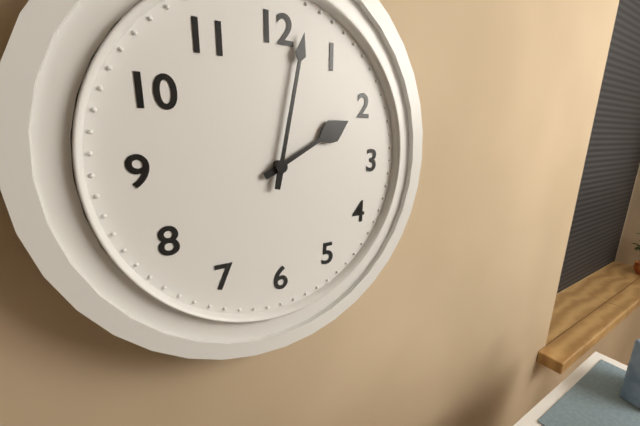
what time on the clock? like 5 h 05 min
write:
2 h 02 min
